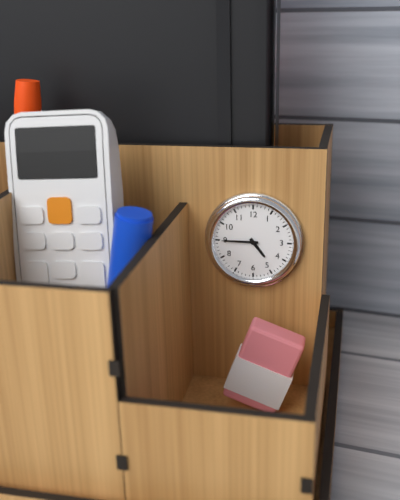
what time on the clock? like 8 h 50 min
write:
4 h 45 min
